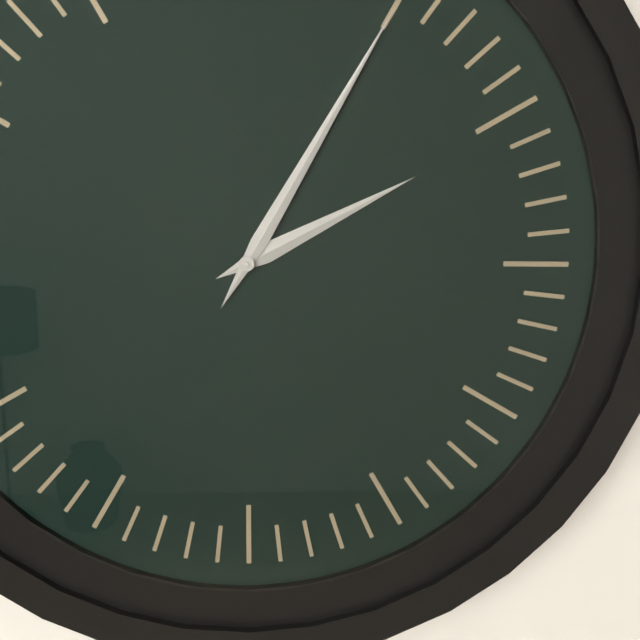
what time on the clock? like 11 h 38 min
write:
2 h 05 min
